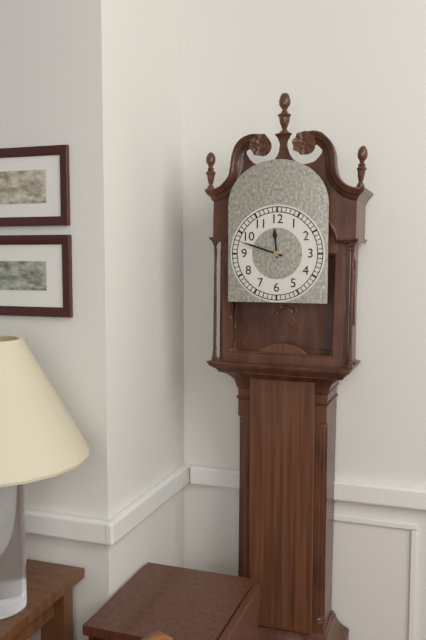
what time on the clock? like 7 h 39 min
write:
11 h 48 min
